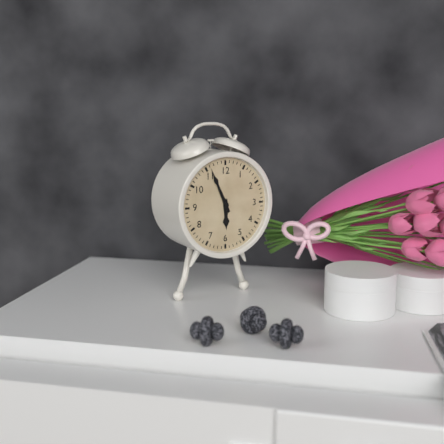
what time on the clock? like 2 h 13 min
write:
5 h 56 min
